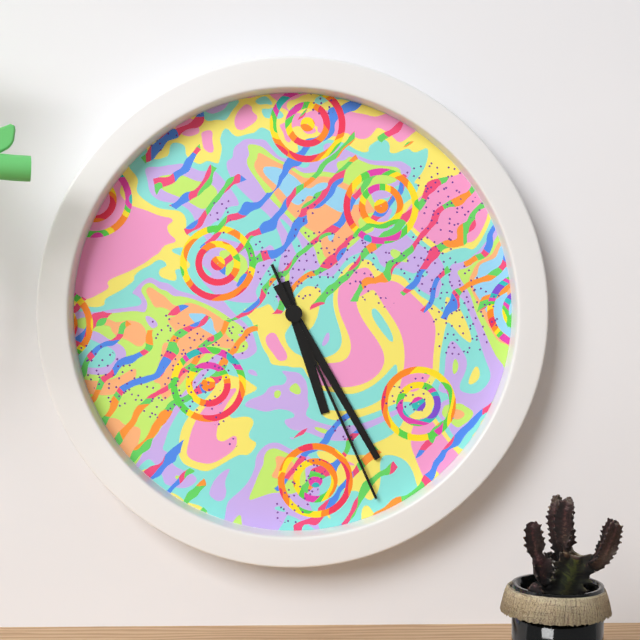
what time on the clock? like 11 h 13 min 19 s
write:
5 h 25 min 26 s
